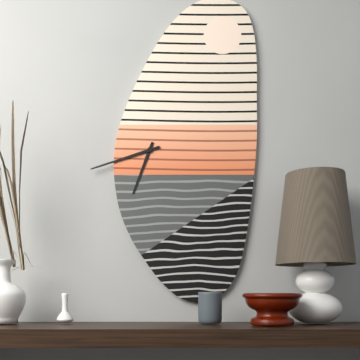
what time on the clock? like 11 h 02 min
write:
6 h 42 min
